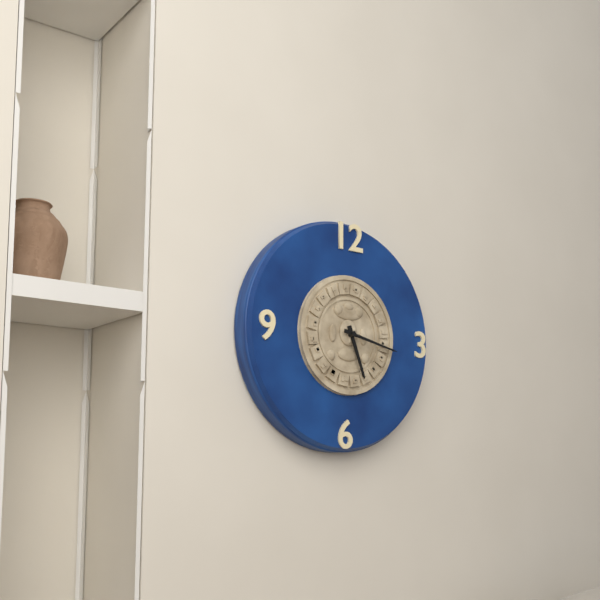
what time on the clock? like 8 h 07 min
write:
5 h 17 min
